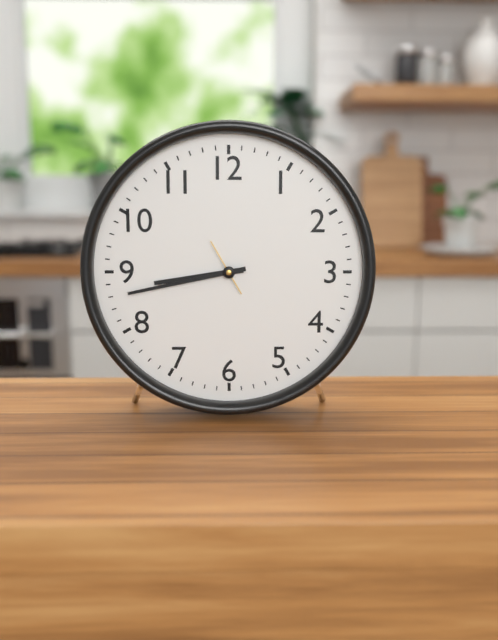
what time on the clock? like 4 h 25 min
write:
8 h 43 min
